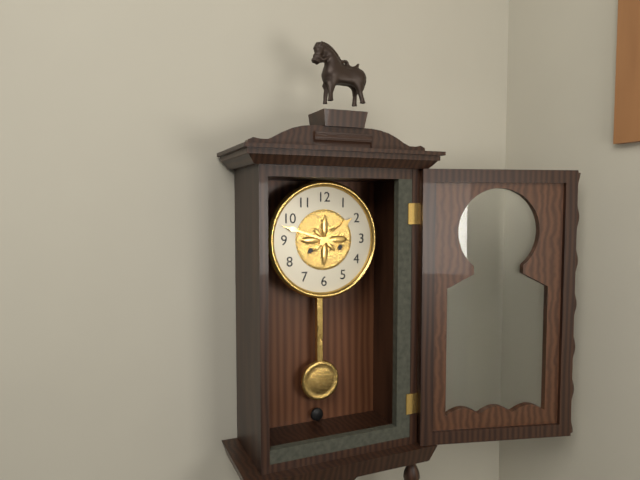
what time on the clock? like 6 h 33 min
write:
1 h 48 min
